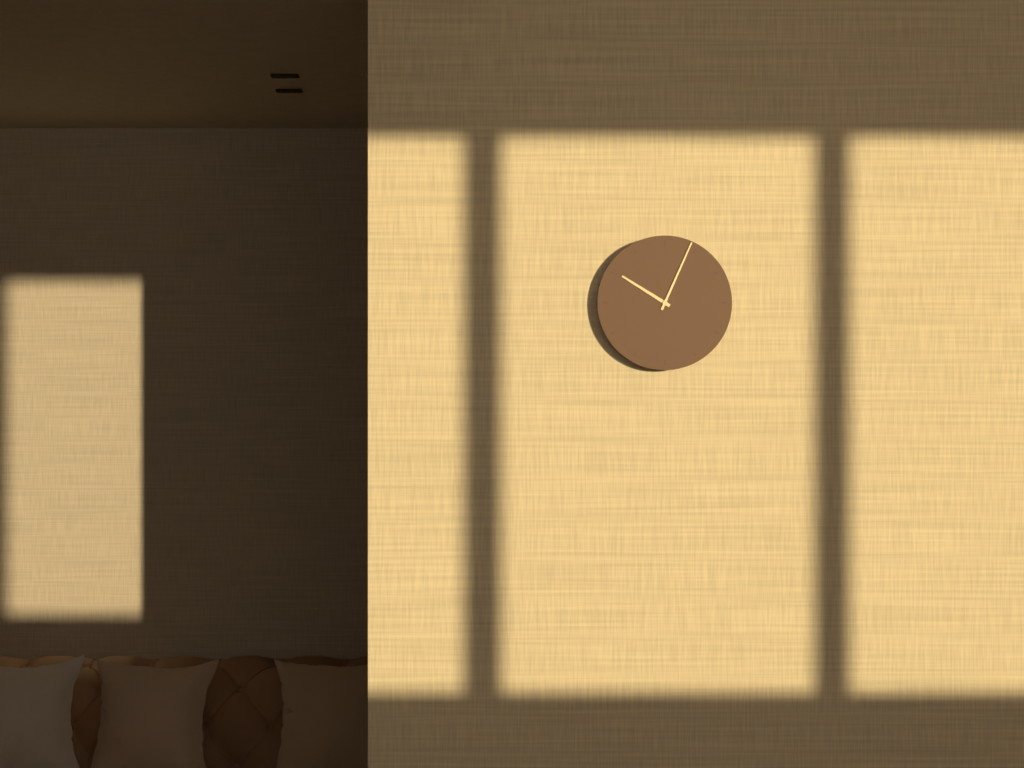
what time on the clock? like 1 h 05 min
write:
10 h 04 min
